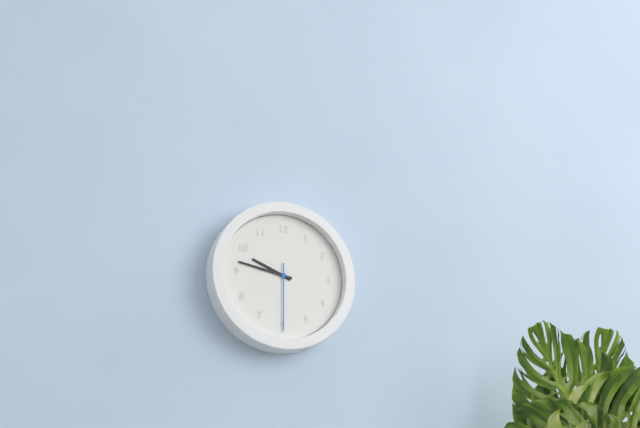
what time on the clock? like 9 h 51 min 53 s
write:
9 h 47 min 30 s
